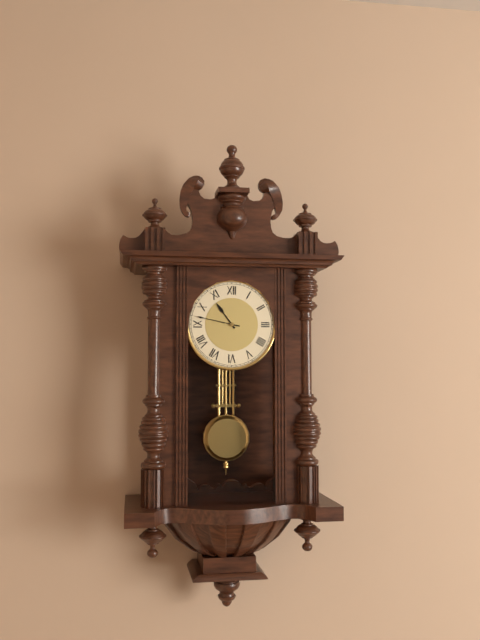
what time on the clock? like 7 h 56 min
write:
10 h 47 min
